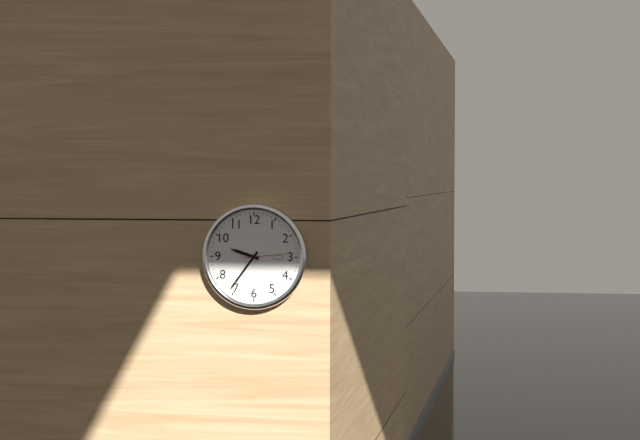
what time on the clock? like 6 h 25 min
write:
9 h 36 min
